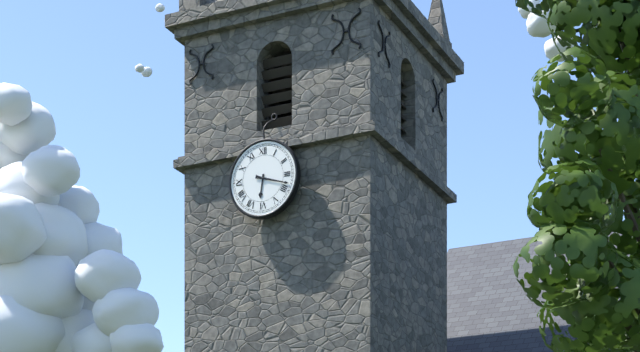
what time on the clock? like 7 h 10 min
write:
6 h 18 min
